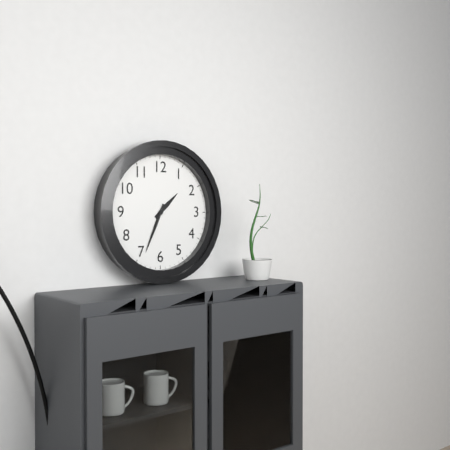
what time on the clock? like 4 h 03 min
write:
1 h 34 min
